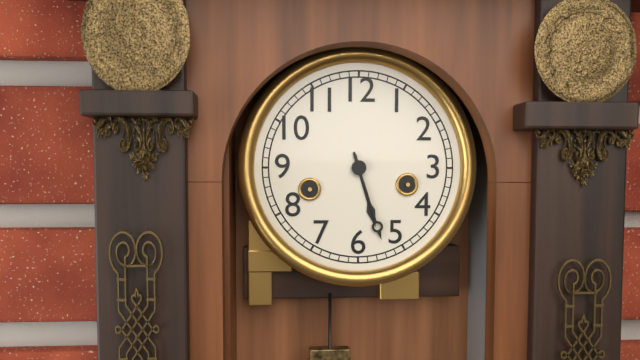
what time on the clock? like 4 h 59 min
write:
5 h 27 min
